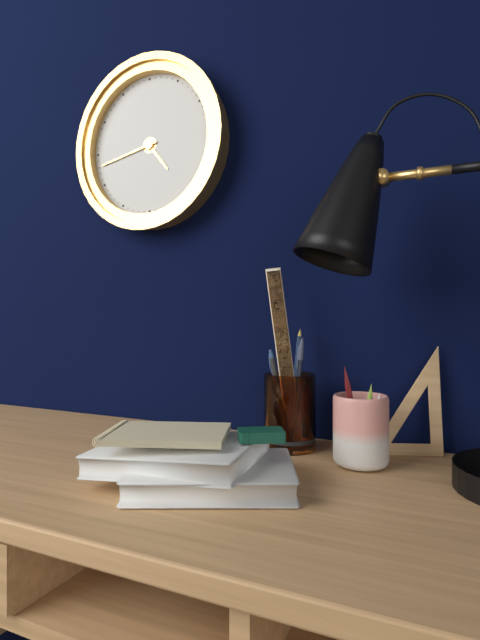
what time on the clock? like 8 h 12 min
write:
4 h 43 min
